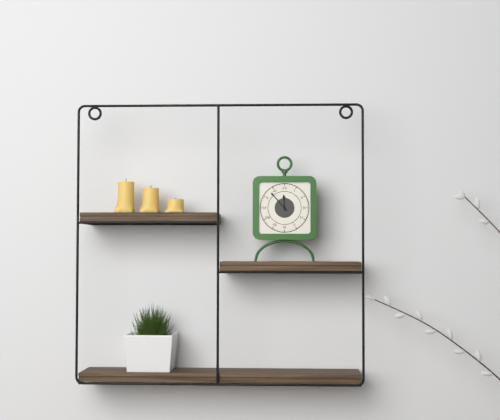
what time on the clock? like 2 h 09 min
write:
11 h 53 min
